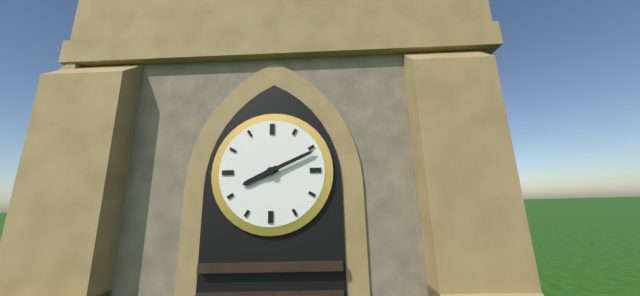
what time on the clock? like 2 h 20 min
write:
8 h 11 min
